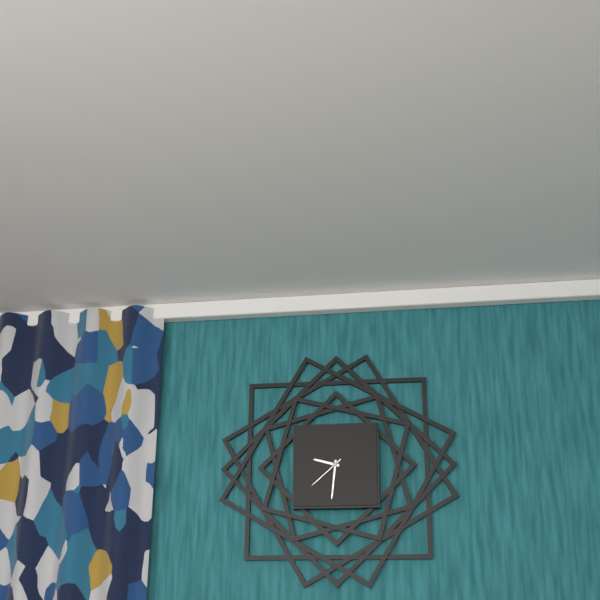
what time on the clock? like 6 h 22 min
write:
9 h 31 min
